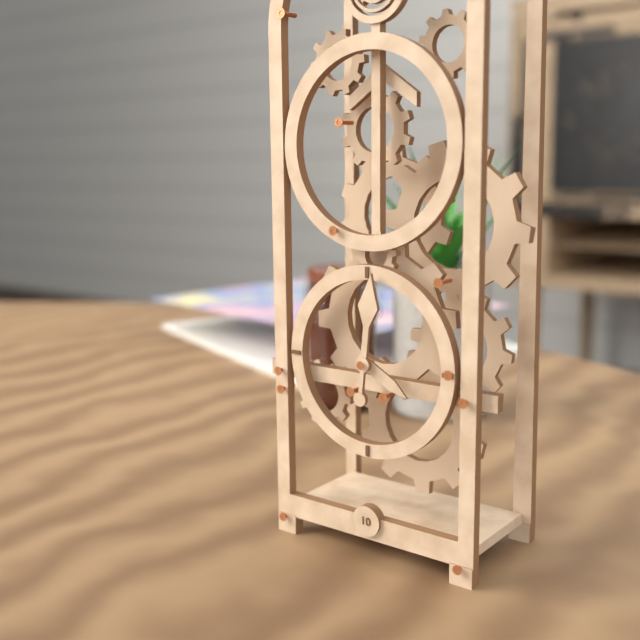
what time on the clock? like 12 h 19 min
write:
4 h 01 min
